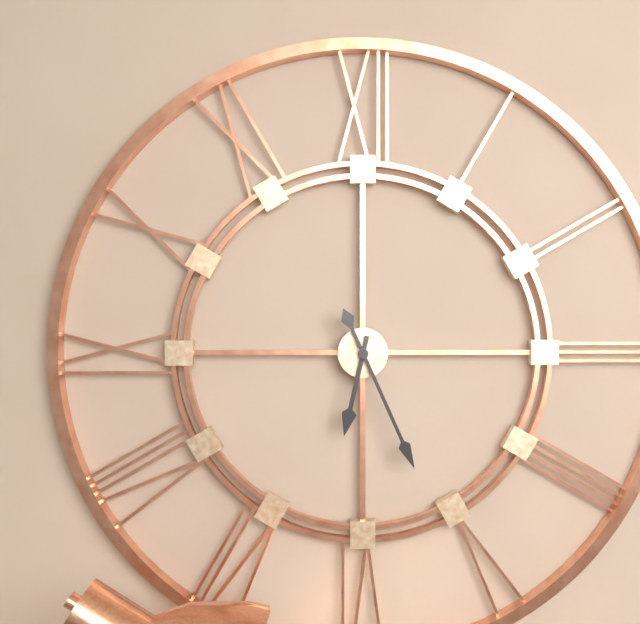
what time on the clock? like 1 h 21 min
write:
6 h 26 min
